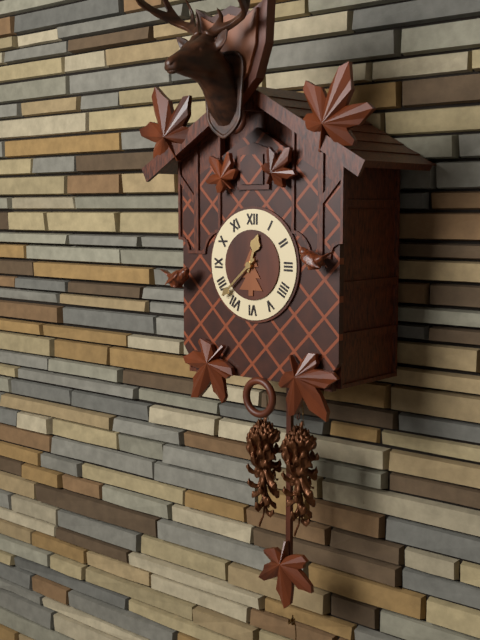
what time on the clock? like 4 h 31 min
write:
12 h 38 min
